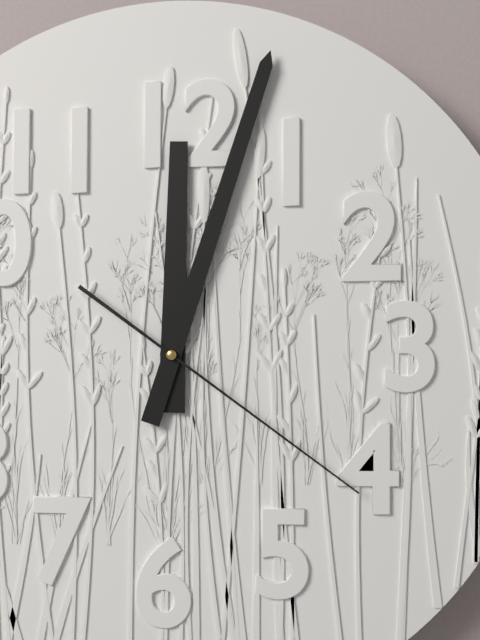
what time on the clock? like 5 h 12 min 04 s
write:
12 h 03 min 21 s
